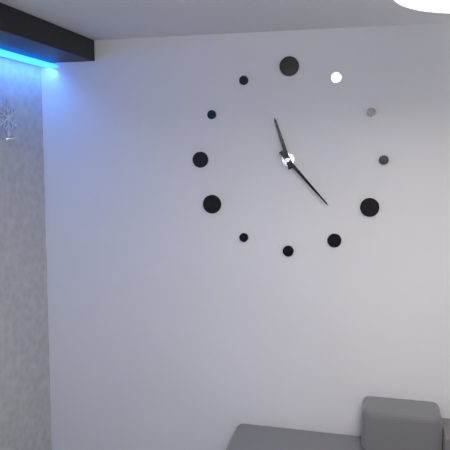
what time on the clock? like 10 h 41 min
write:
11 h 23 min
